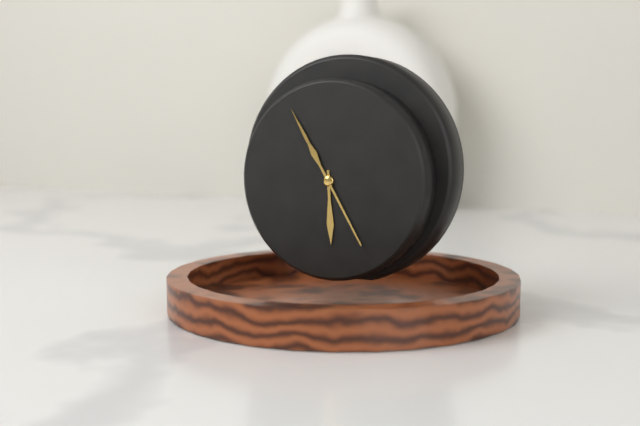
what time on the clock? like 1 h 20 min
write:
5 h 55 min
